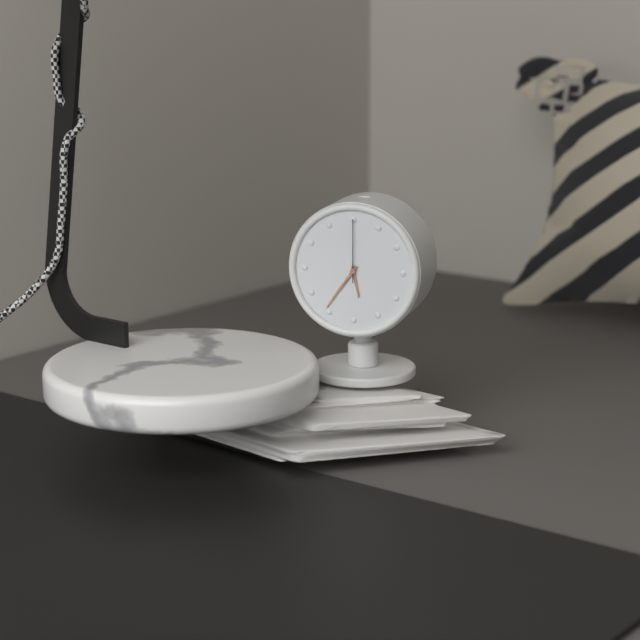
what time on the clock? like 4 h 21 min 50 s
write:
5 h 36 min 00 s
